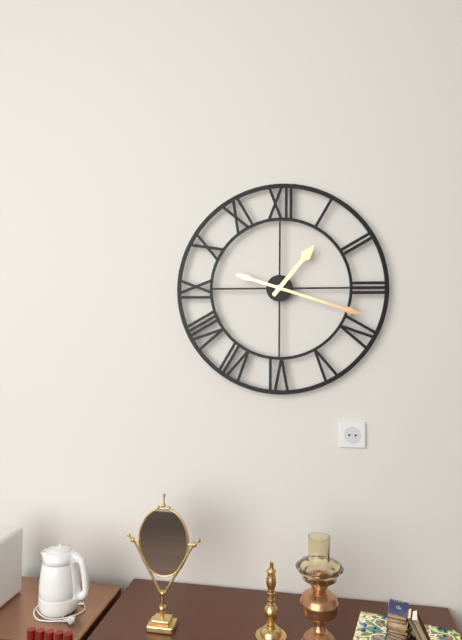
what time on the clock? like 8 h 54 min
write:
1 h 18 min
